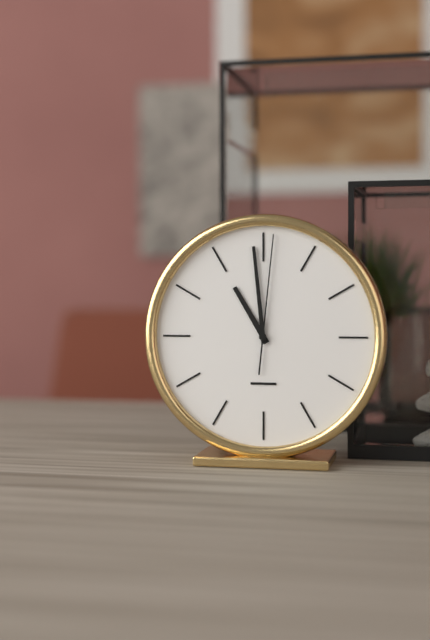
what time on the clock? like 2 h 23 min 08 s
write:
10 h 59 min 01 s
